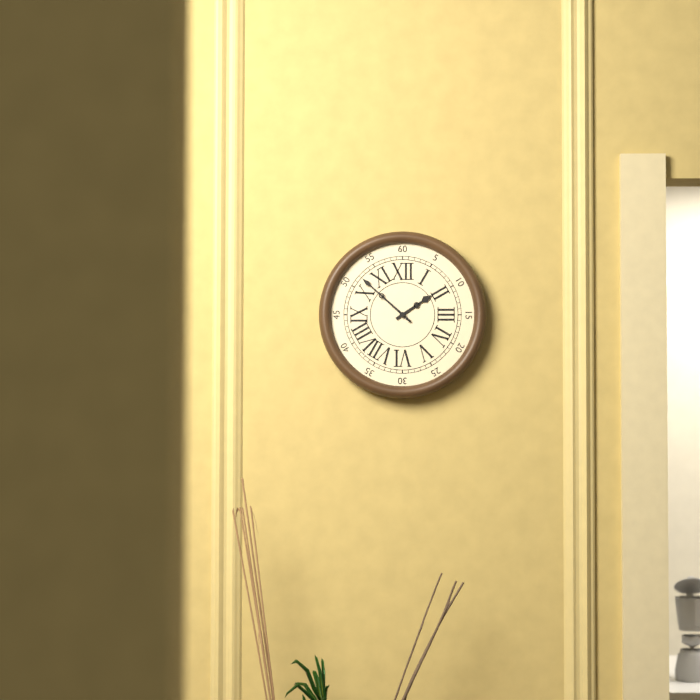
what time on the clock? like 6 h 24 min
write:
1 h 52 min
